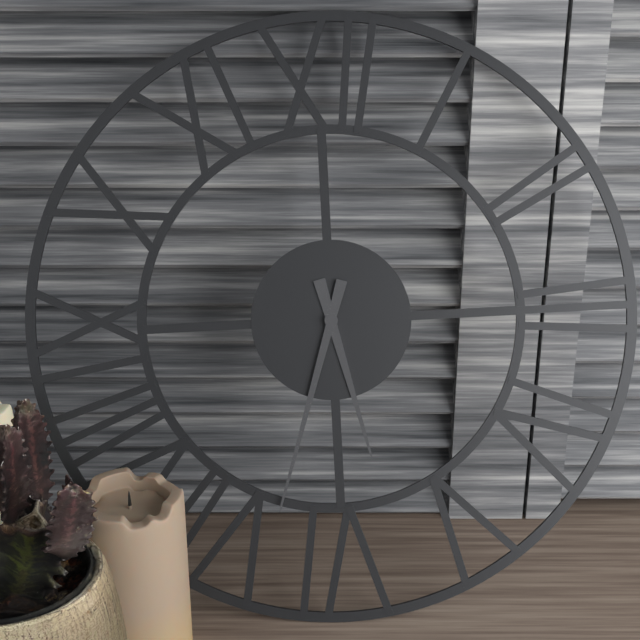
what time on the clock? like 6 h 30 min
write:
5 h 33 min
